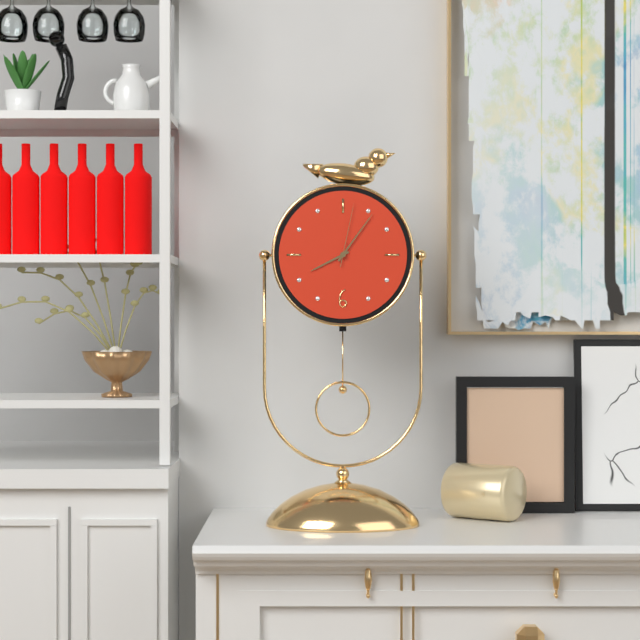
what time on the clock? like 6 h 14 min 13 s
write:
8 h 06 min 02 s
